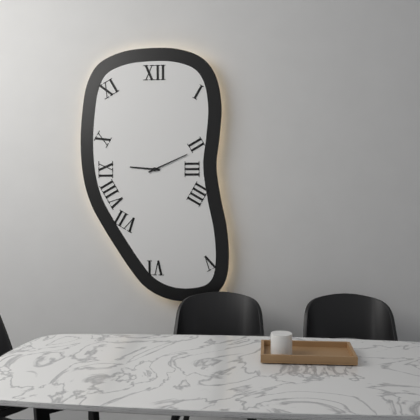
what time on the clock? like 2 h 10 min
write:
9 h 11 min
